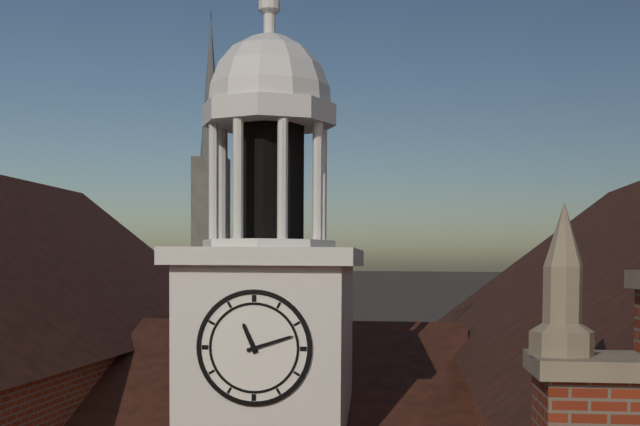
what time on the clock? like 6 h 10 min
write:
11 h 12 min
